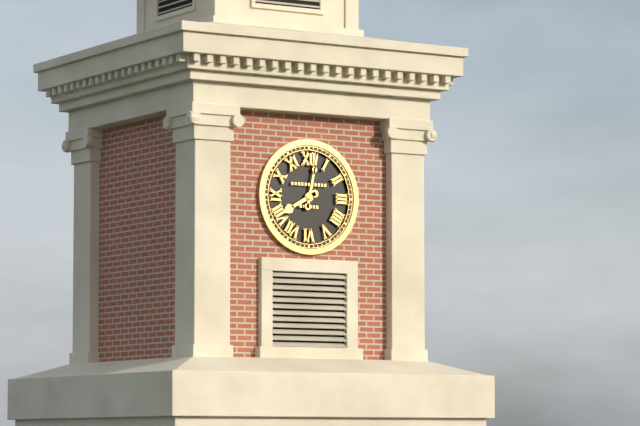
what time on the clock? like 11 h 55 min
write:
8 h 02 min
